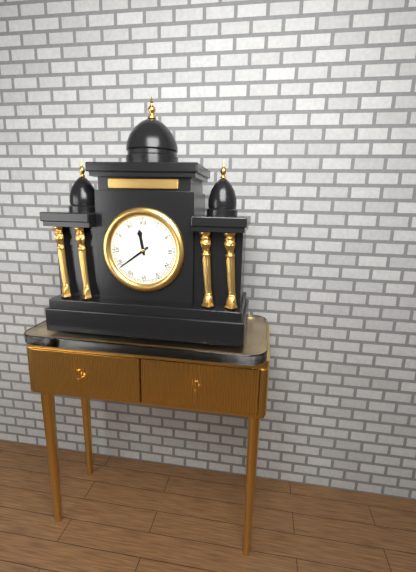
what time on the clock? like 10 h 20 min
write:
11 h 39 min
